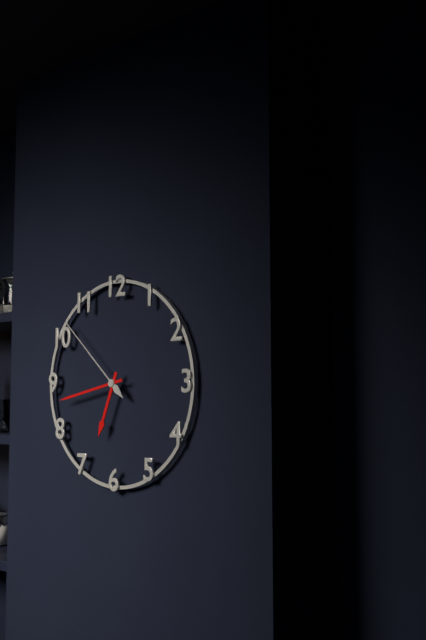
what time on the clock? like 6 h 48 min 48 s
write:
6 h 43 min 52 s
